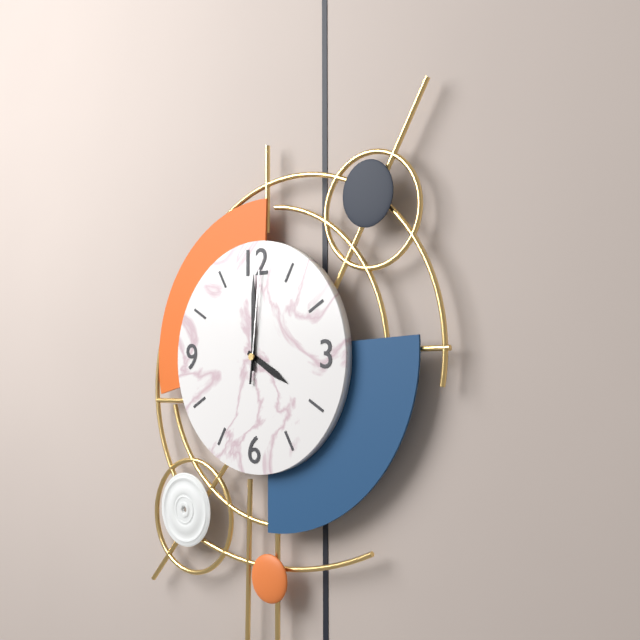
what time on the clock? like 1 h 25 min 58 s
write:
4 h 00 min 01 s
